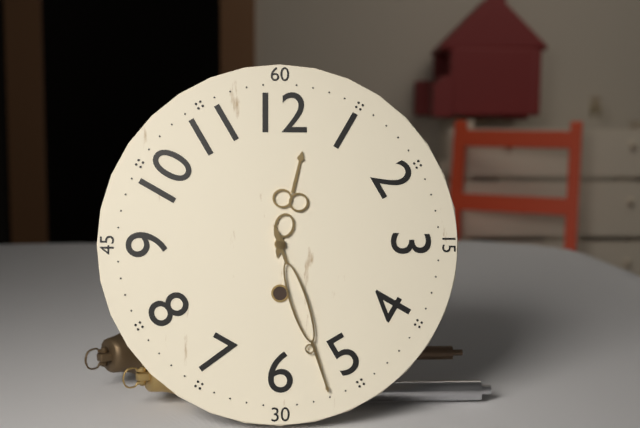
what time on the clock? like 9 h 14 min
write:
12 h 27 min
